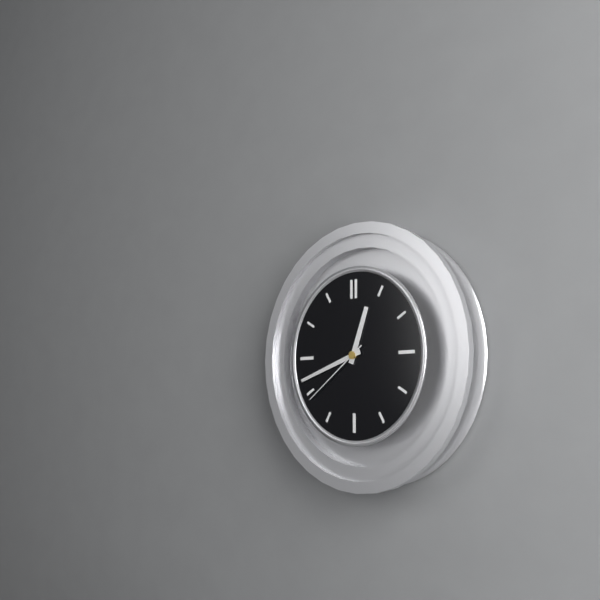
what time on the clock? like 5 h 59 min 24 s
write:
12 h 42 min 39 s
